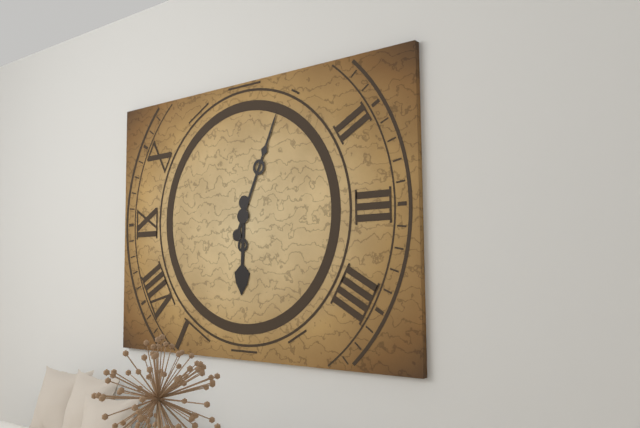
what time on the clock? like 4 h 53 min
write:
6 h 04 min
